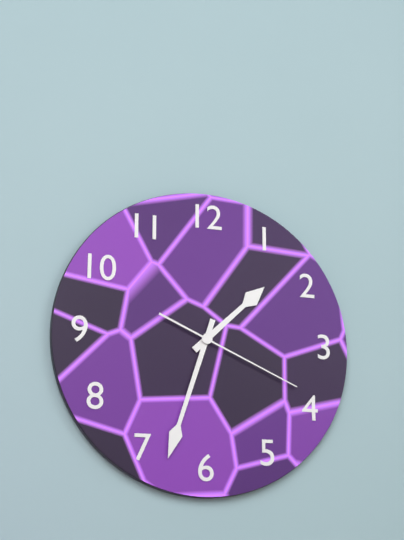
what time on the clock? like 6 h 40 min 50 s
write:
1 h 33 min 19 s
